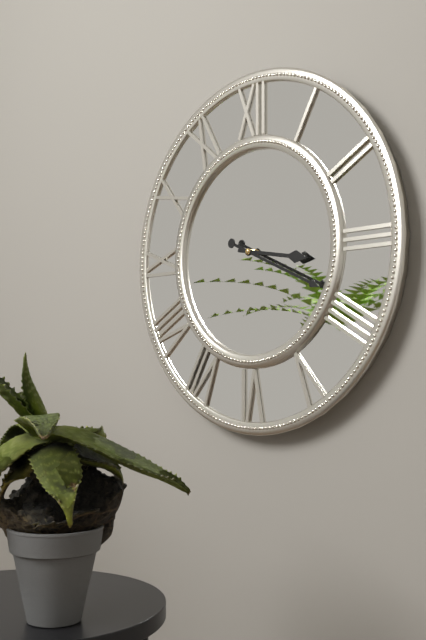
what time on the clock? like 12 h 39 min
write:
3 h 19 min
